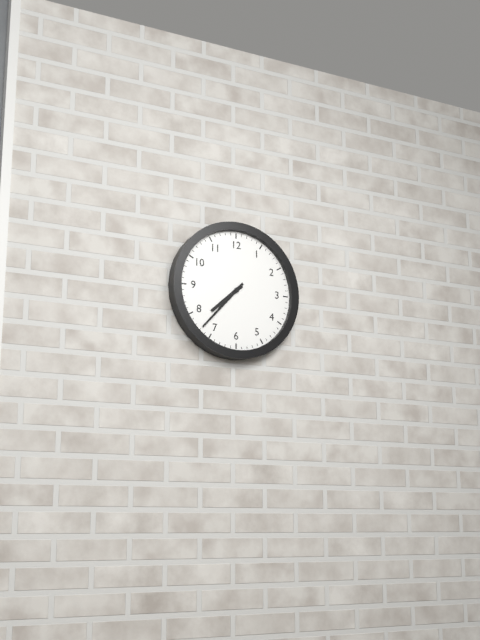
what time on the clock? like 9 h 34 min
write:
7 h 37 min
